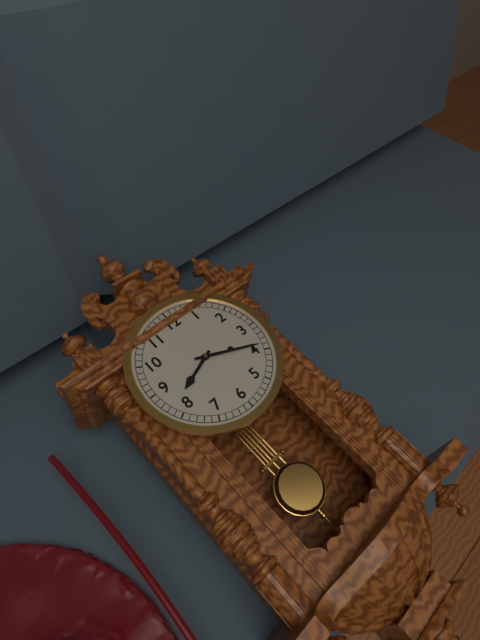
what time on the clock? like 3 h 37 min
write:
8 h 19 min
